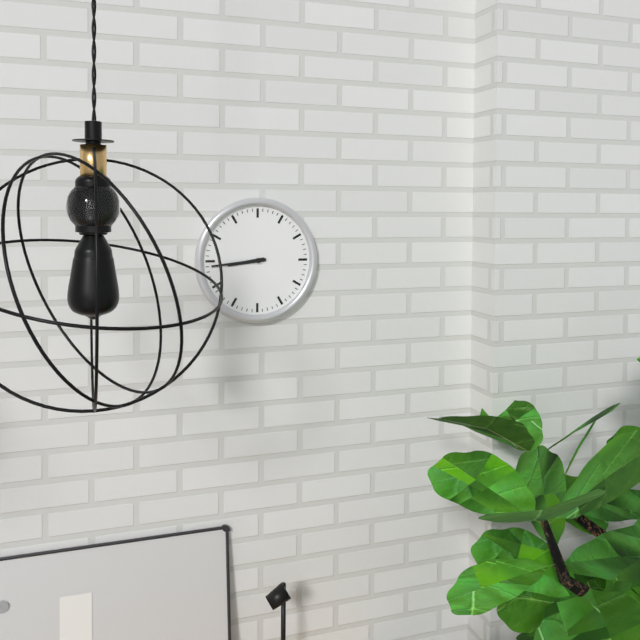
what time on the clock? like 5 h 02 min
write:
8 h 44 min
